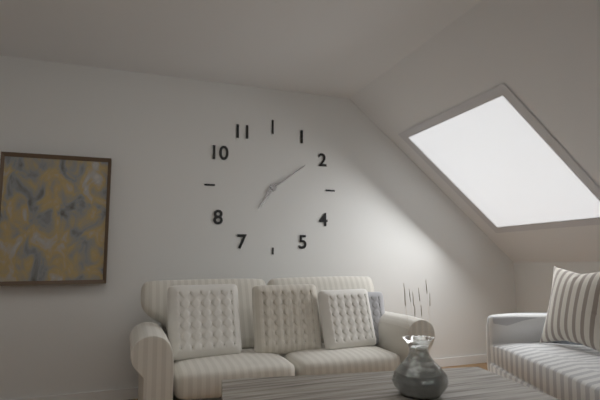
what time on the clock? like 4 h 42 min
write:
7 h 09 min
